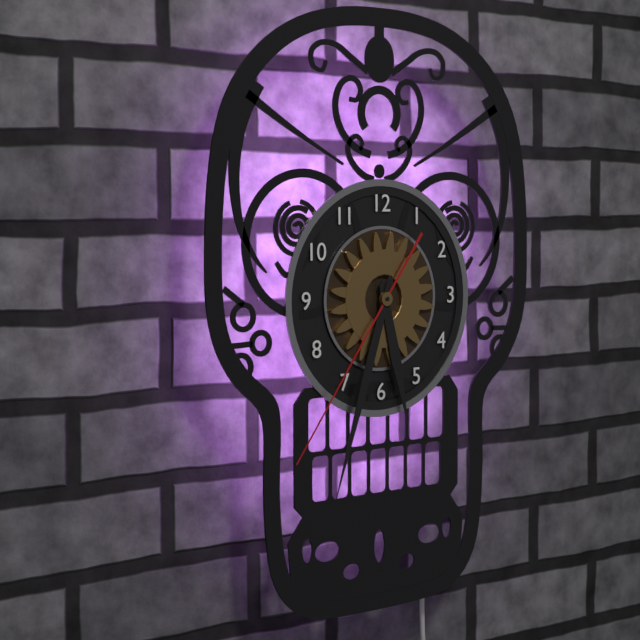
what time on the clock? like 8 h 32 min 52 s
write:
5 h 33 min 36 s
